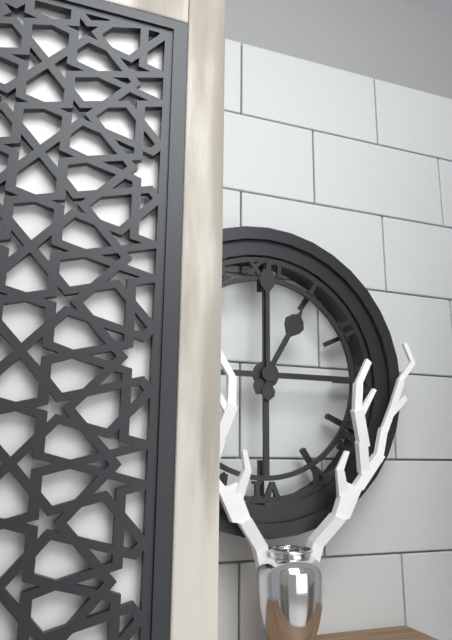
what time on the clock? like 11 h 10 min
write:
1 h 00 min
